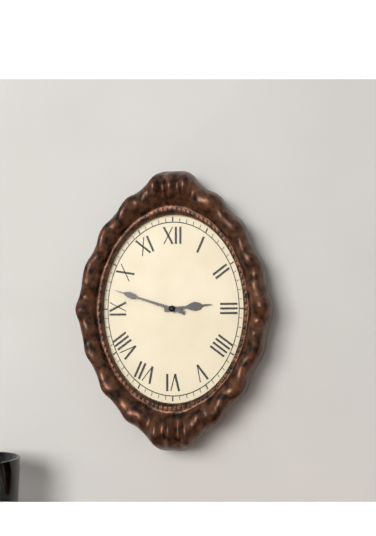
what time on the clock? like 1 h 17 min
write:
2 h 48 min
